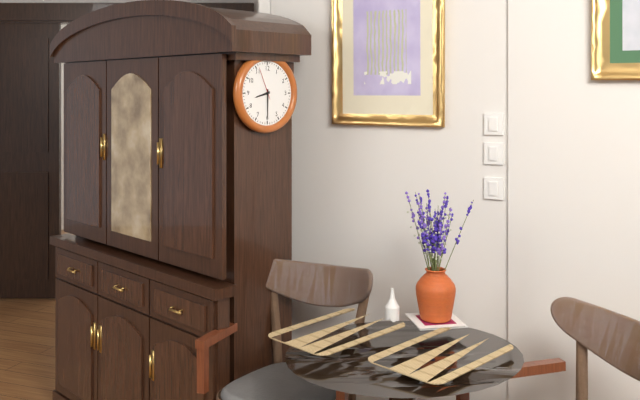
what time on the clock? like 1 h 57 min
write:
8 h 30 min
